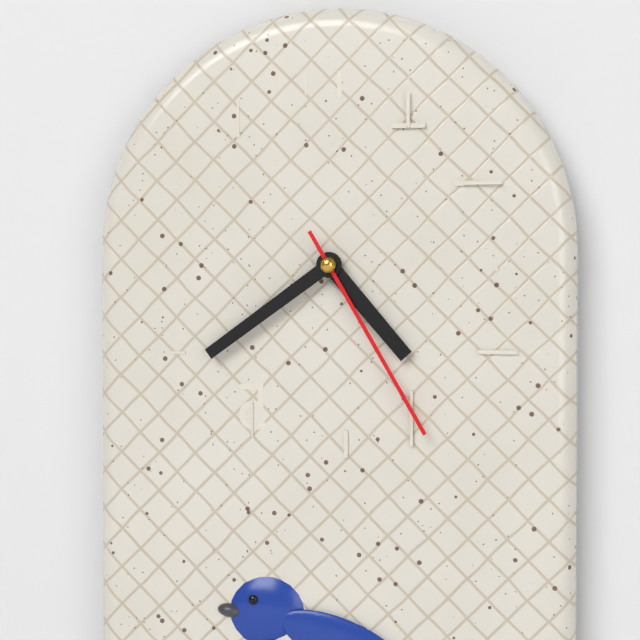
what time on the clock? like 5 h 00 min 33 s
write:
4 h 39 min 25 s
